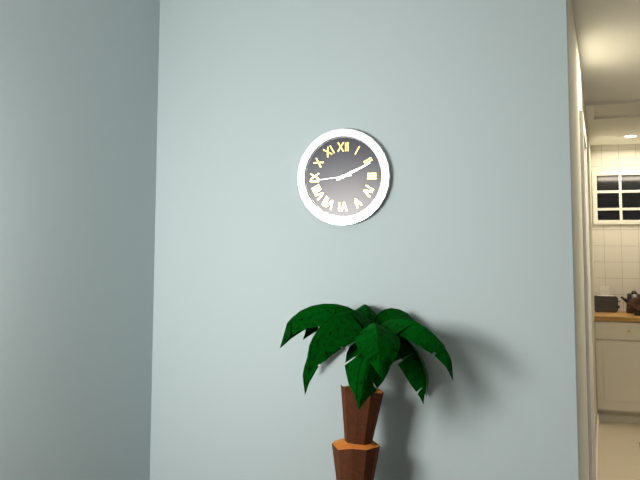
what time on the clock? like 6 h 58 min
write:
2 h 11 min
